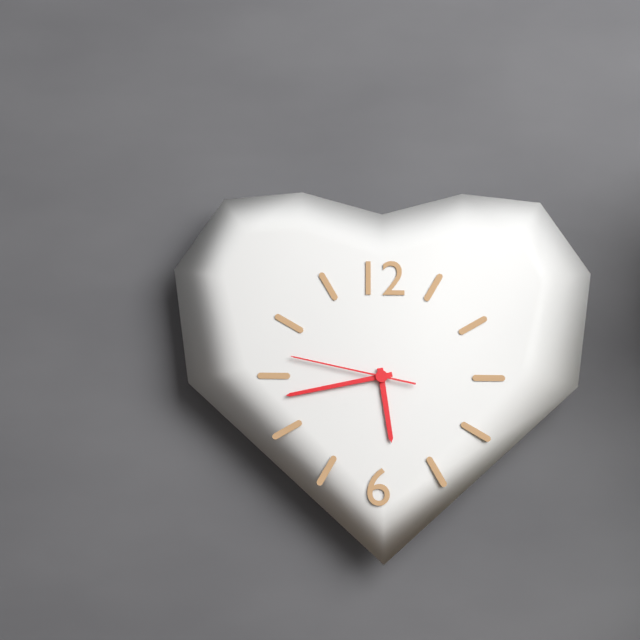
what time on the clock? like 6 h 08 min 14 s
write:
5 h 43 min 47 s
